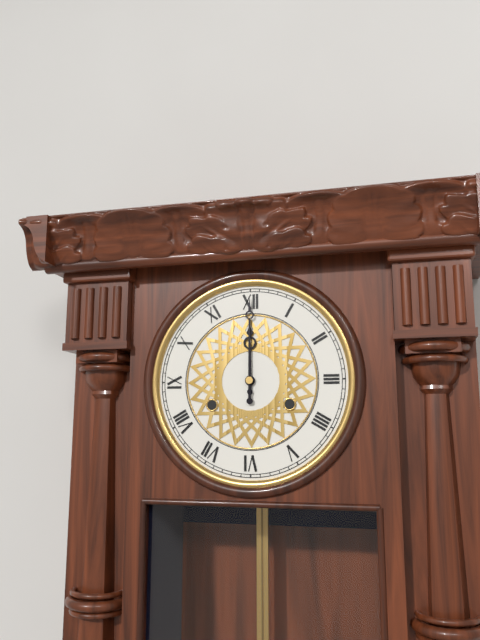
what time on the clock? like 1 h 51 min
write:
12 h 00 min
